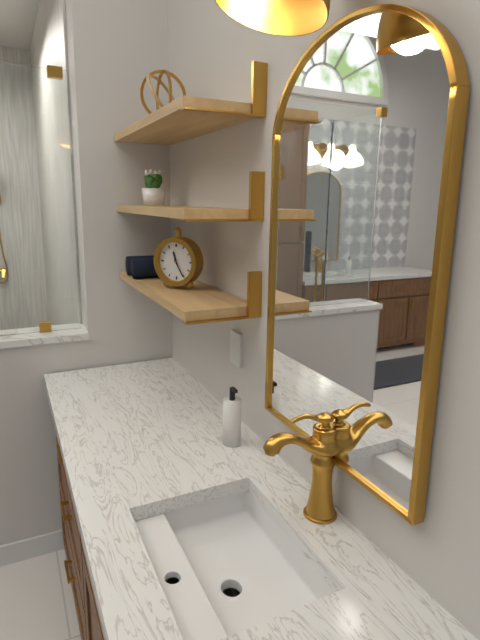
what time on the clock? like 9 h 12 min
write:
11 h 25 min
